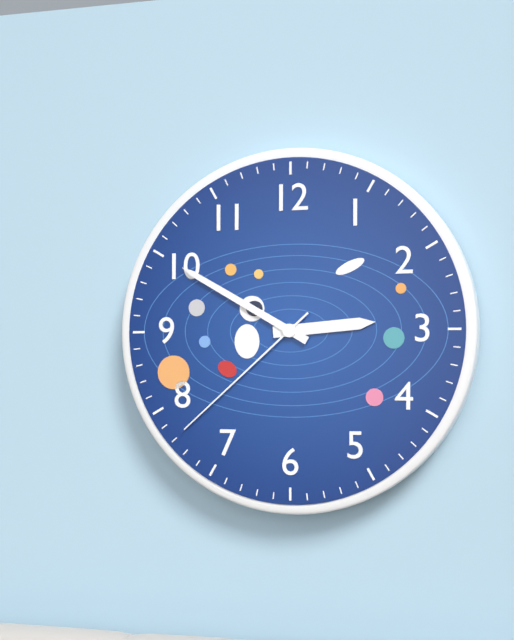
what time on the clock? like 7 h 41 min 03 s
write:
2 h 50 min 38 s
